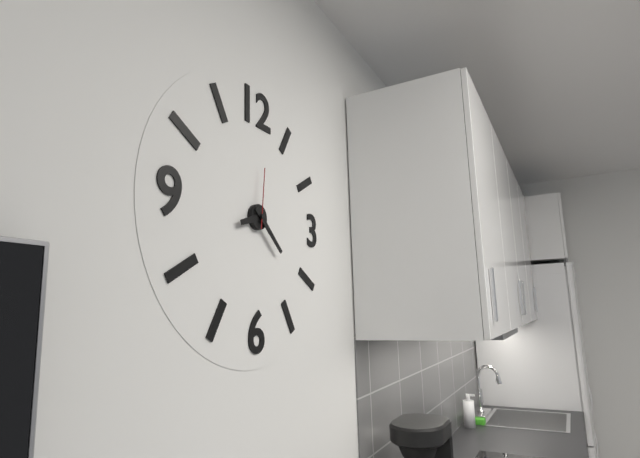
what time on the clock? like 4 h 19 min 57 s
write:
8 h 22 min 01 s
